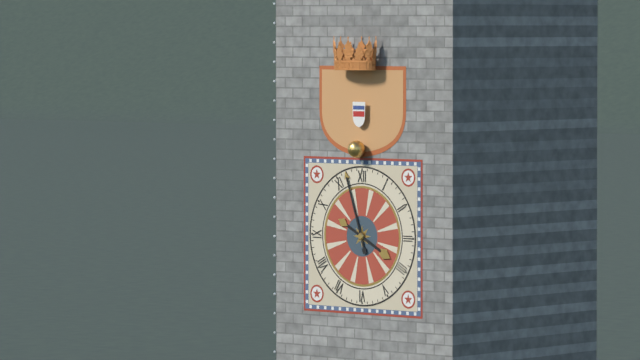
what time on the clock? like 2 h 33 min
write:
3 h 57 min
